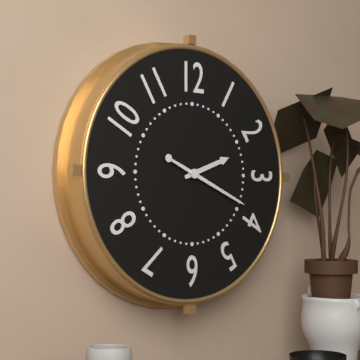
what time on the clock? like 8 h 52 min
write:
2 h 19 min
